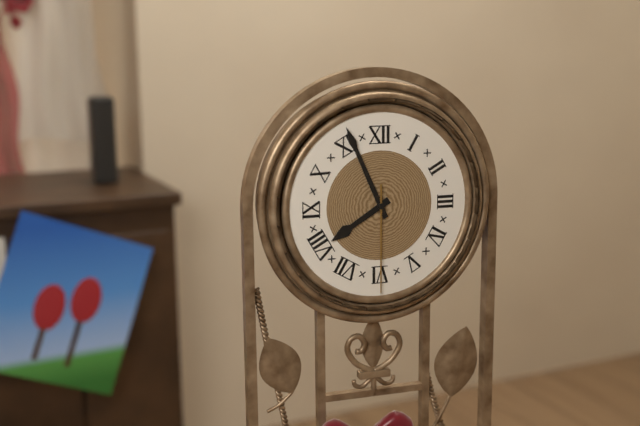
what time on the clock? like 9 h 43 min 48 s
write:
7 h 56 min 30 s
